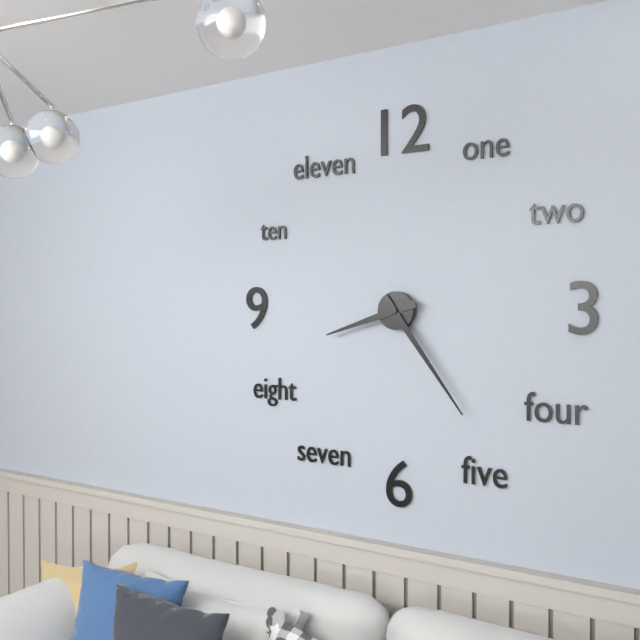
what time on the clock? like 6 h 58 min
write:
8 h 24 min
